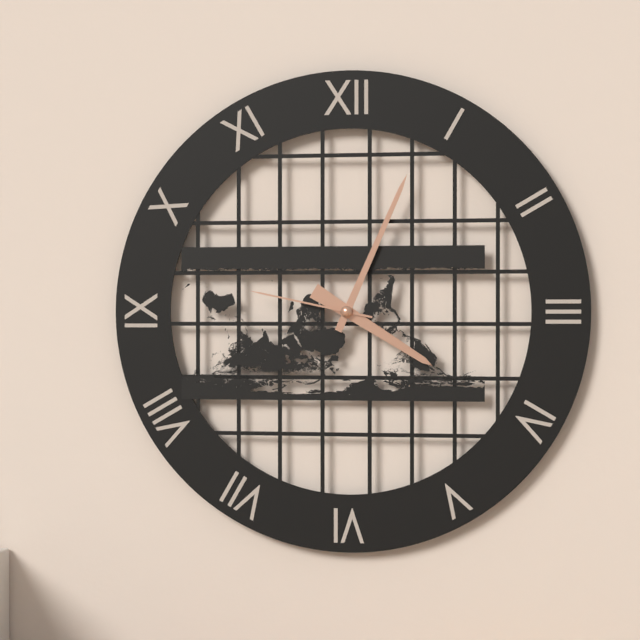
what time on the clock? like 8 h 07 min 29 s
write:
4 h 04 min 47 s
